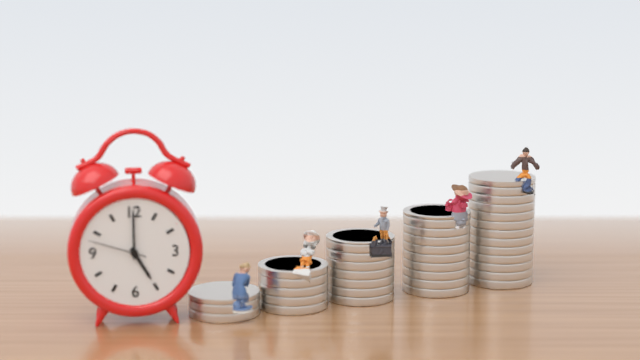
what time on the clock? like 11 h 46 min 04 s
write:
5 h 00 min 48 s
